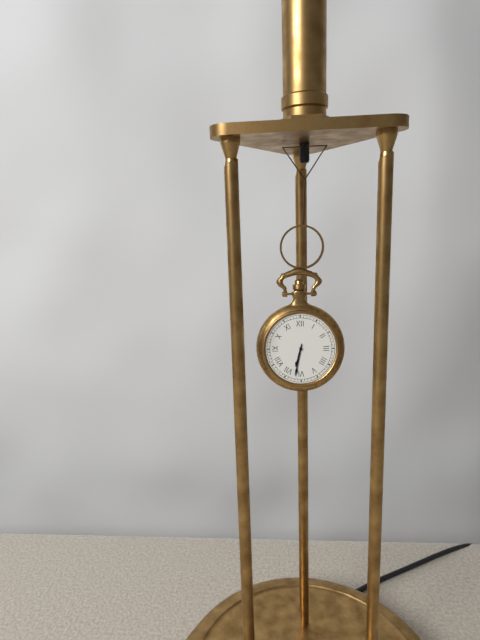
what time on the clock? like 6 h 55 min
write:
6 h 32 min
